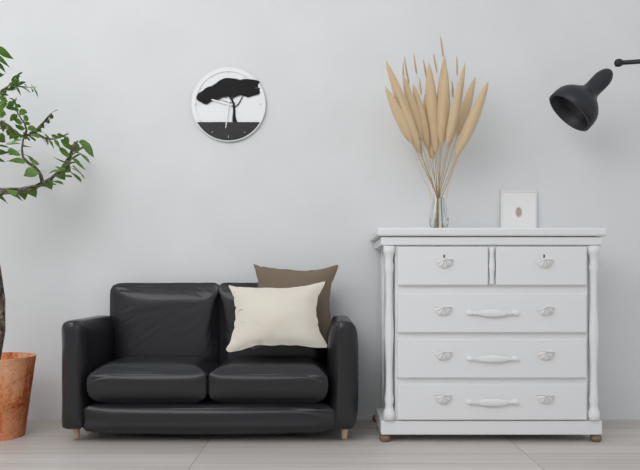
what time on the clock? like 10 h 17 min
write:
9 h 31 min
